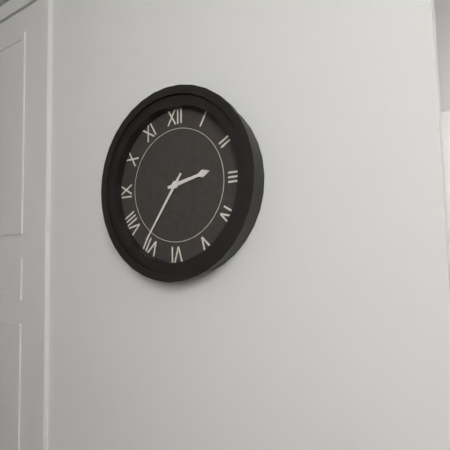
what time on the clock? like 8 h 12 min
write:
2 h 36 min
